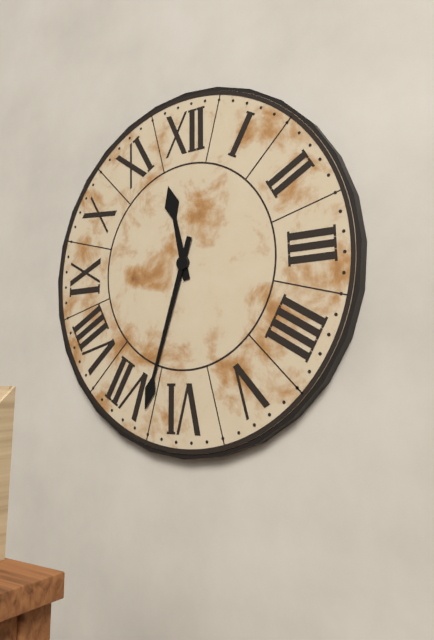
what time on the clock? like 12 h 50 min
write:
11 h 33 min
